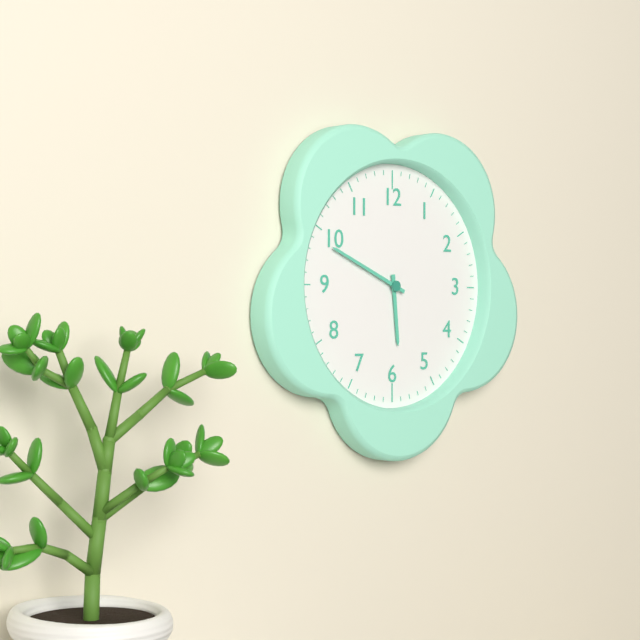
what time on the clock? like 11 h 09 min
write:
5 h 49 min
